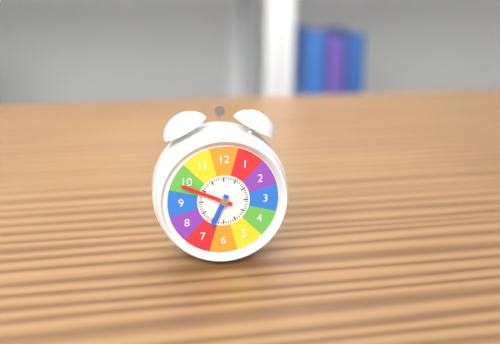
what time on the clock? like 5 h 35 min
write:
6 h 49 min
